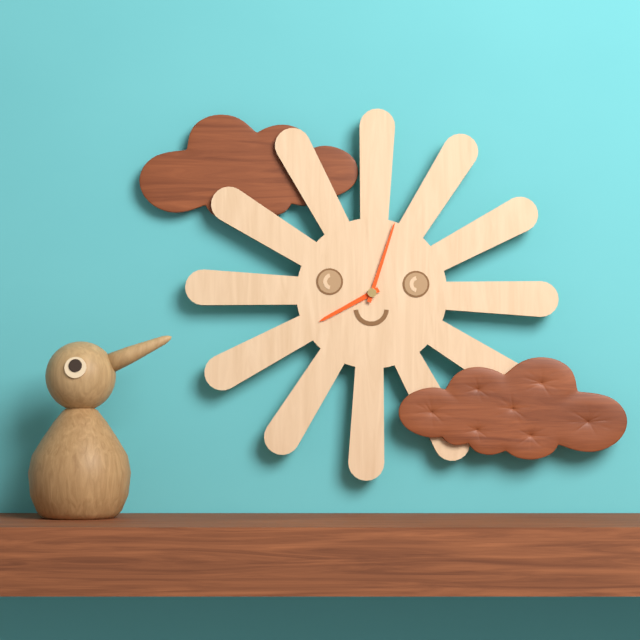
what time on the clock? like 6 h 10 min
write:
8 h 03 min
